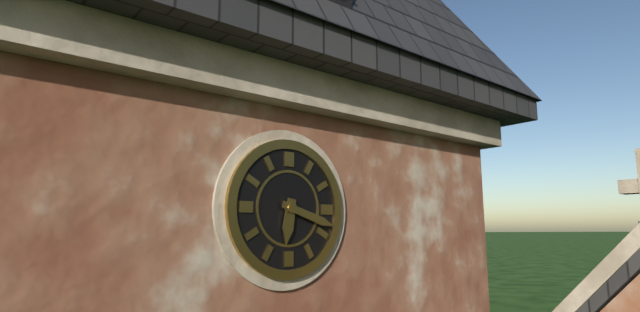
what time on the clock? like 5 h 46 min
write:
6 h 18 min
